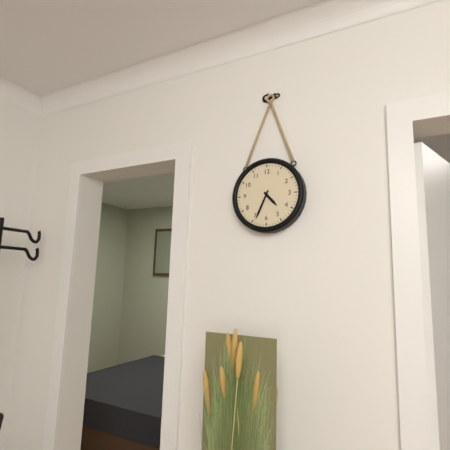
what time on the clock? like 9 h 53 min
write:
4 h 34 min
